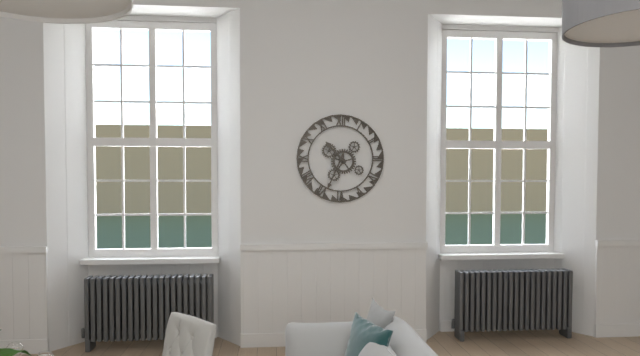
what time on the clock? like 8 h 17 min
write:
10 h 34 min
